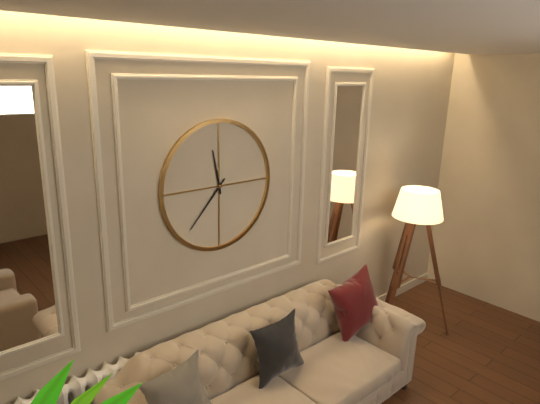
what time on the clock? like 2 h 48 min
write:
11 h 37 min
